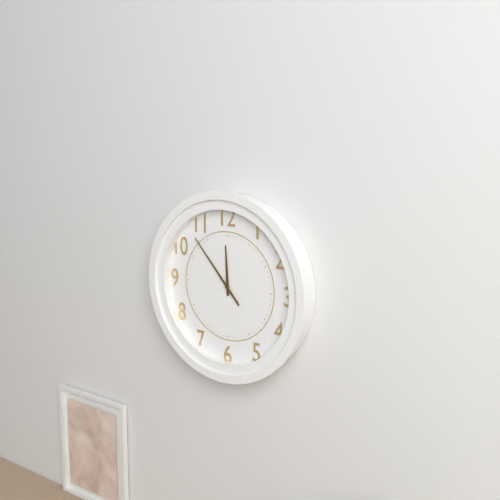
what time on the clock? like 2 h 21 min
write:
11 h 53 min
